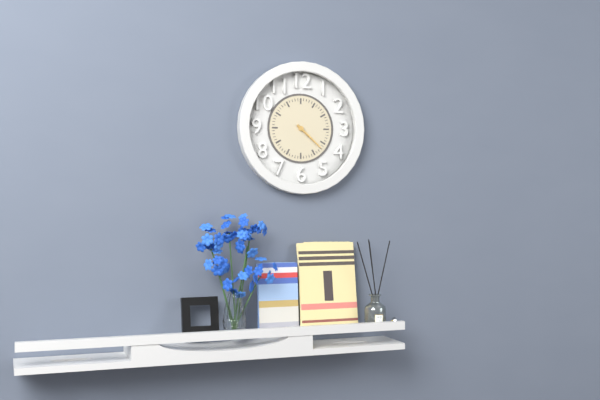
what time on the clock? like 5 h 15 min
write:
4 h 22 min
